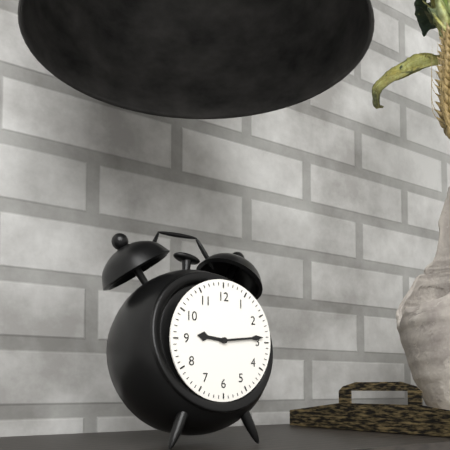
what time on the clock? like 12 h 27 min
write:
9 h 14 min
